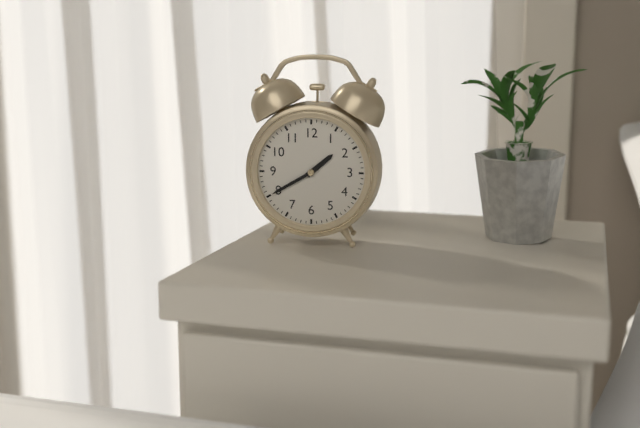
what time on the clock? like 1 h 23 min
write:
1 h 40 min
